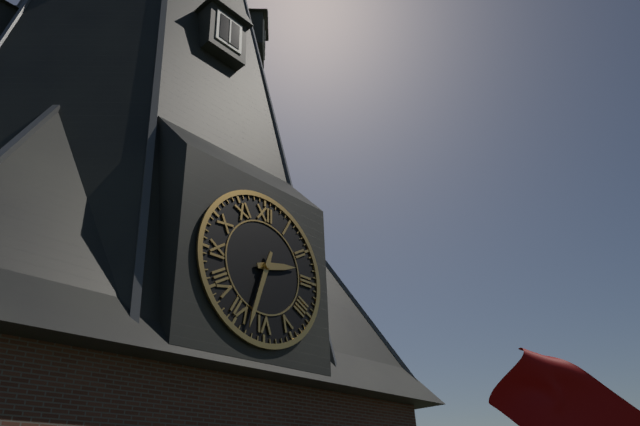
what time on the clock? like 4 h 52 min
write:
2 h 33 min
